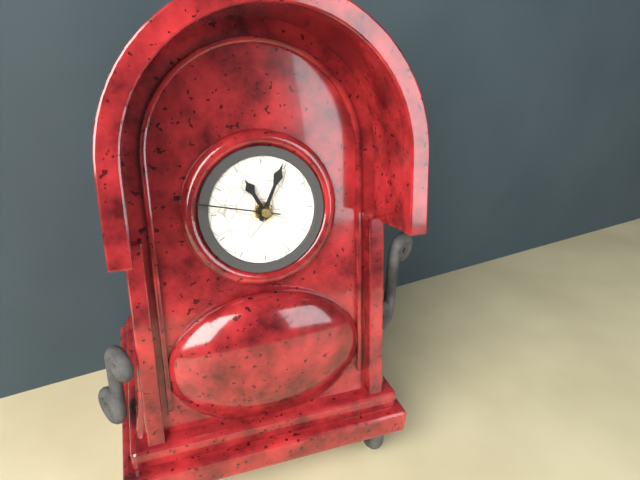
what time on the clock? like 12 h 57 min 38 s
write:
11 h 04 min 47 s
